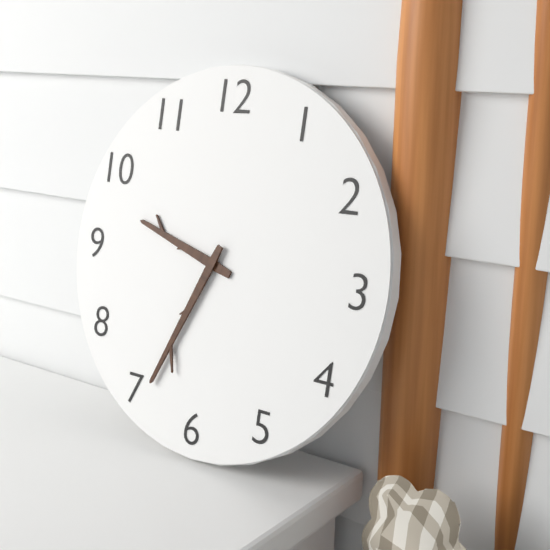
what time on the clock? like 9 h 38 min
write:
9 h 34 min
